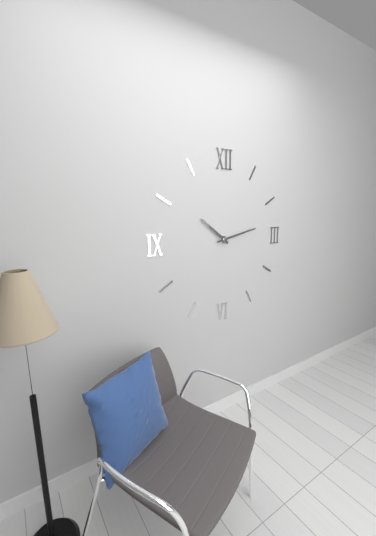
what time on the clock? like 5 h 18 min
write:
10 h 13 min
